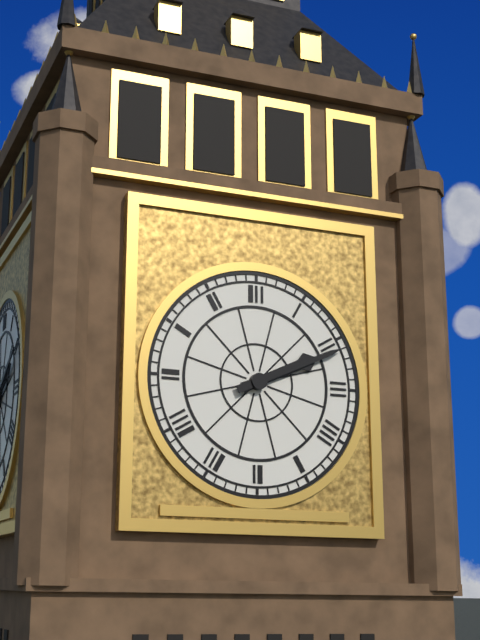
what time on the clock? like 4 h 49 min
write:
2 h 11 min
